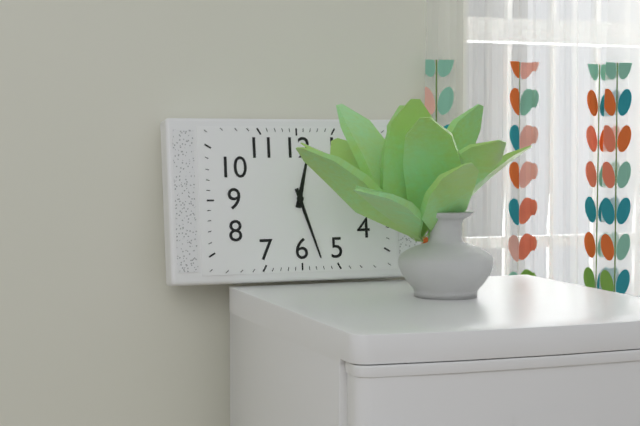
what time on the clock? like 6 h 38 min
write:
12 h 27 min
